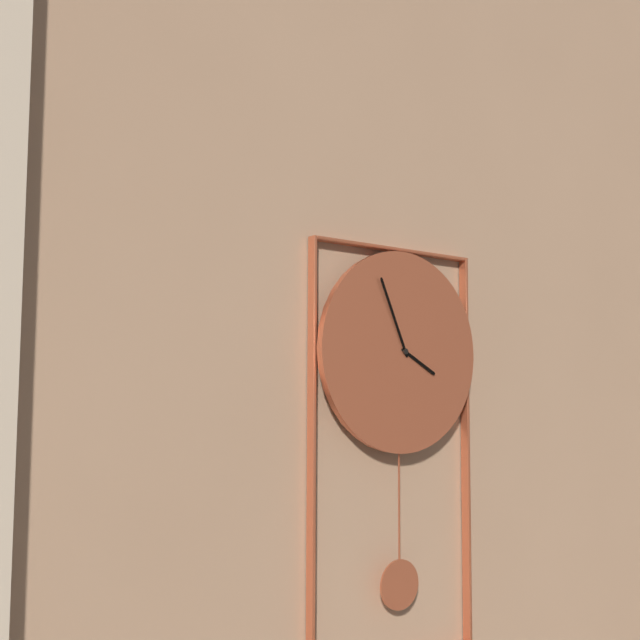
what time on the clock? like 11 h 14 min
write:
3 h 56 min
